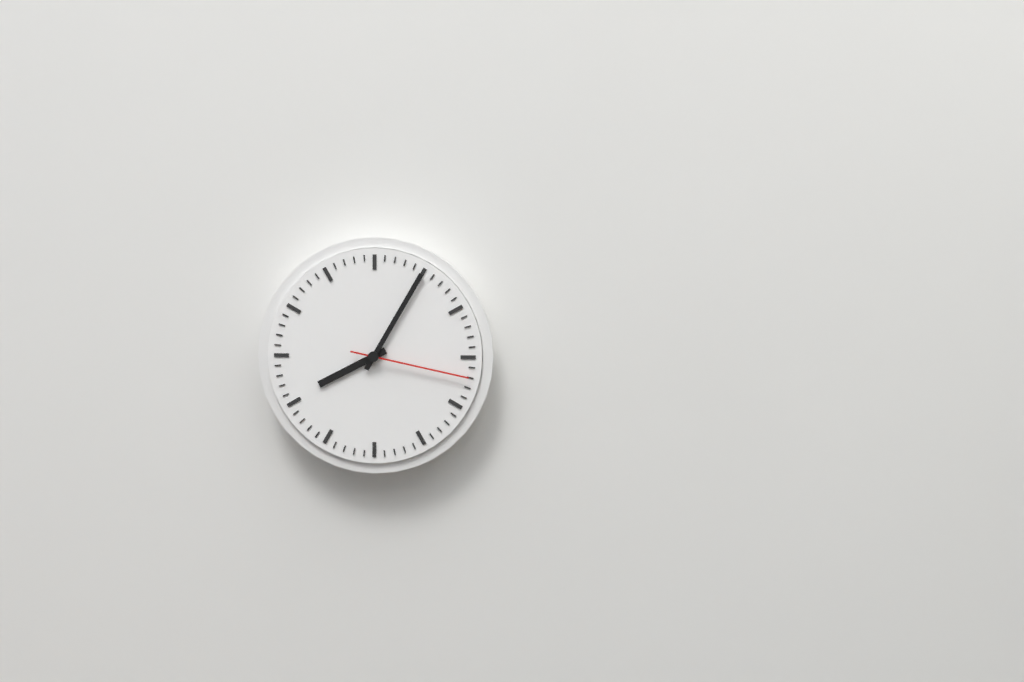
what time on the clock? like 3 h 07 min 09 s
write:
8 h 05 min 17 s
